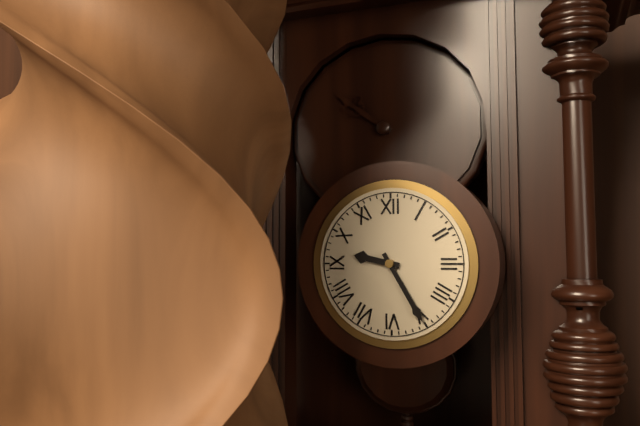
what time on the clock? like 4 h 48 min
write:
9 h 25 min
